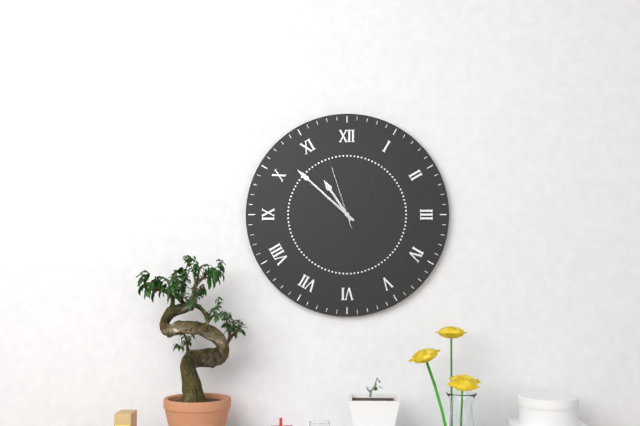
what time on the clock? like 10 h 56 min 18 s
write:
10 h 52 min 57 s
